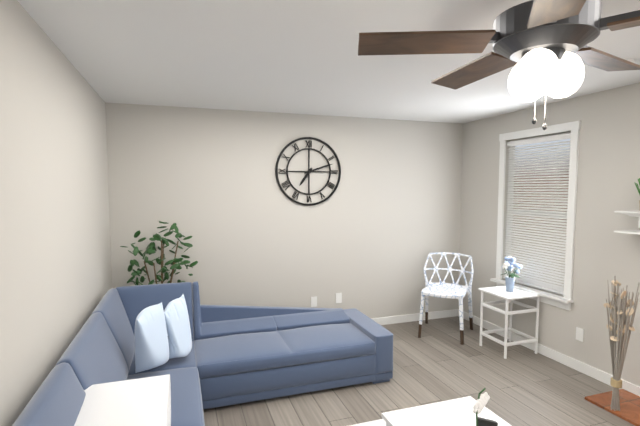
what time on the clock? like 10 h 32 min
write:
7 h 12 min
